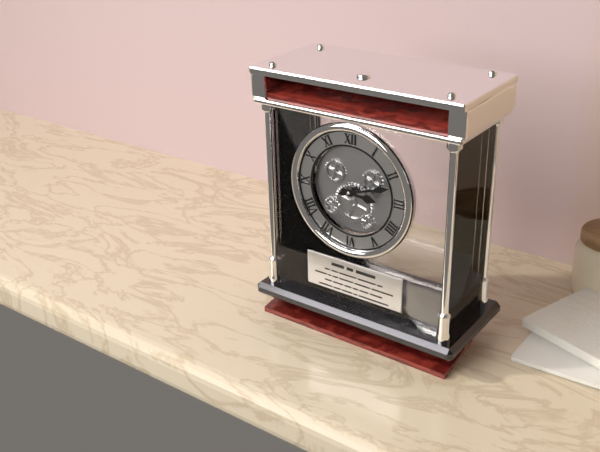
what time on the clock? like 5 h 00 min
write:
3 h 12 min
